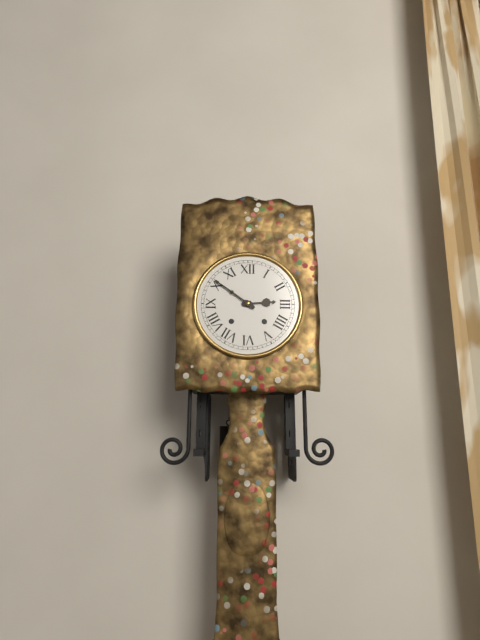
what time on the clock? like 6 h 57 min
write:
2 h 51 min
